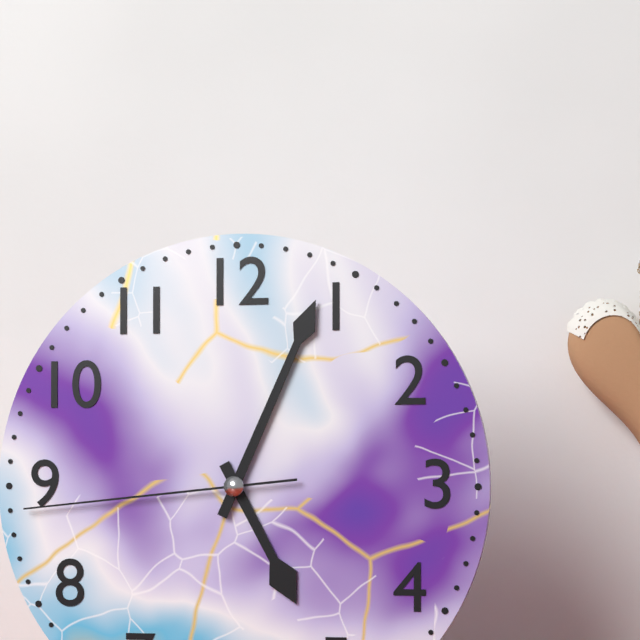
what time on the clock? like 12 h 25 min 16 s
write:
5 h 04 min 44 s
